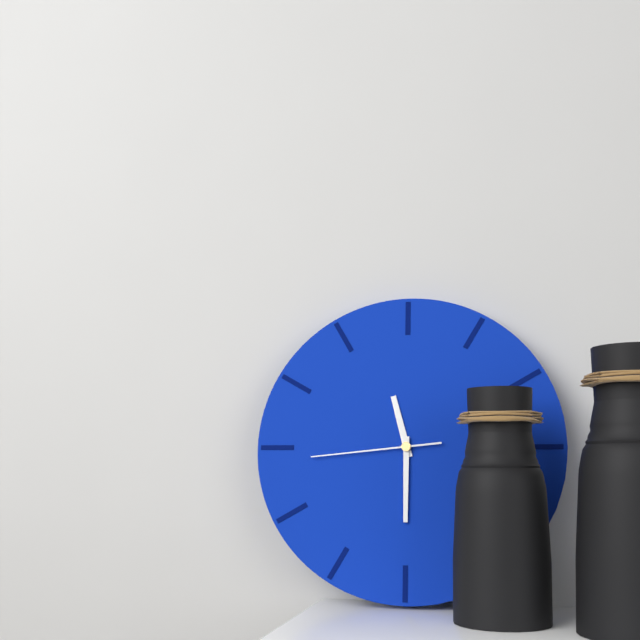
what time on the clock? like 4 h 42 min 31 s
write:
11 h 30 min 44 s
